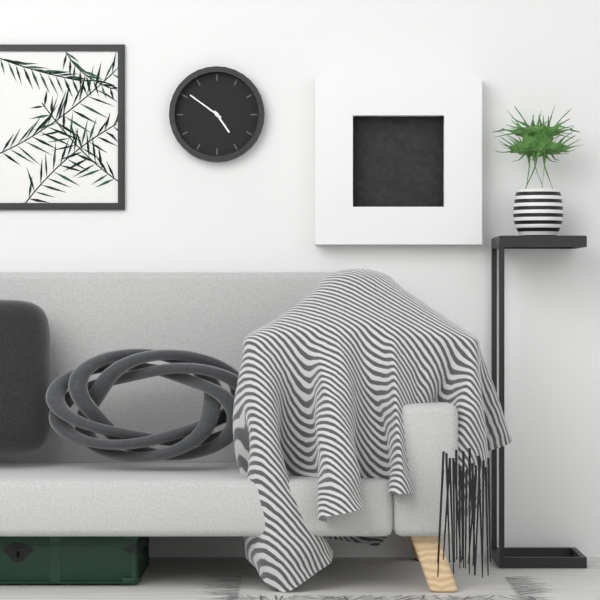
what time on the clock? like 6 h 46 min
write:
4 h 51 min
